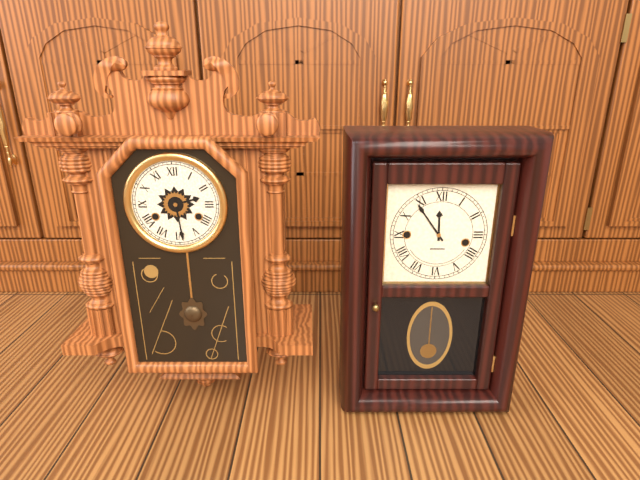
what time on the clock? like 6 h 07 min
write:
2 h 29 min
